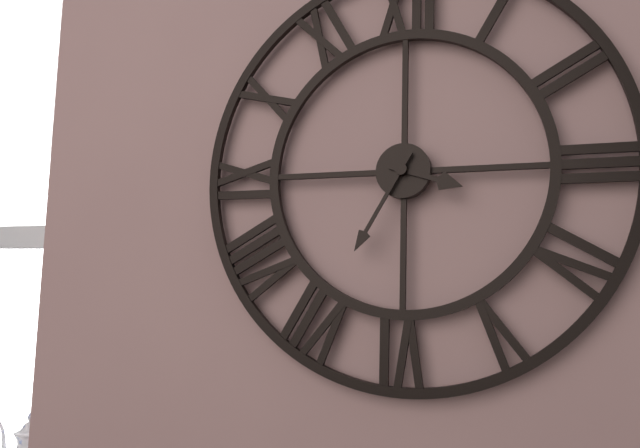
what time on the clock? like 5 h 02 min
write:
3 h 35 min
